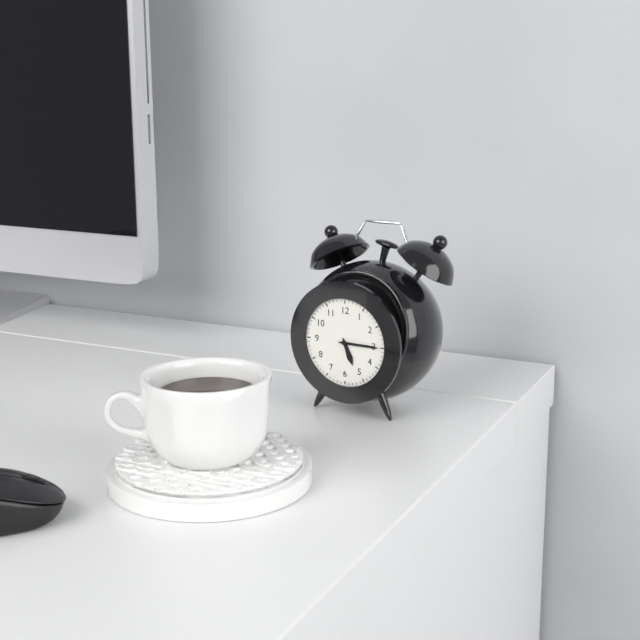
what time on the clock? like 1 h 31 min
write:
5 h 15 min
